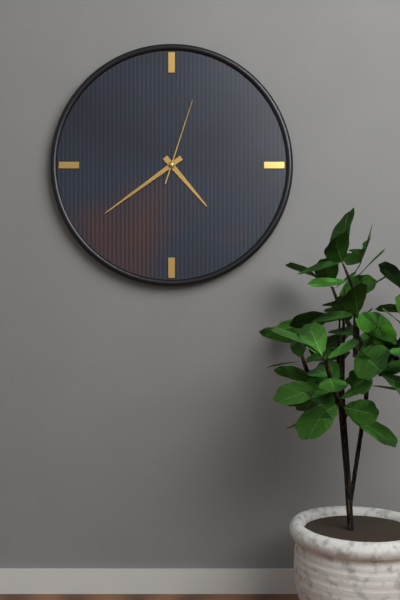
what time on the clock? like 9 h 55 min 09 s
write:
4 h 39 min 03 s
